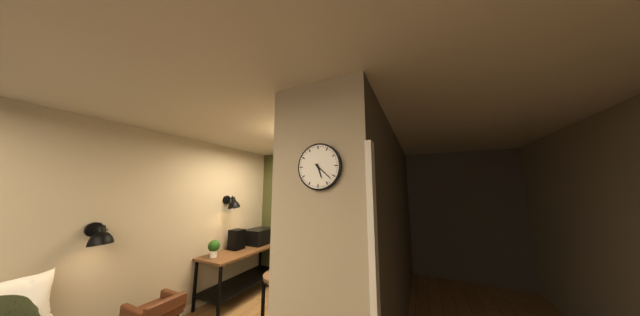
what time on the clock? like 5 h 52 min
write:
5 h 22 min
